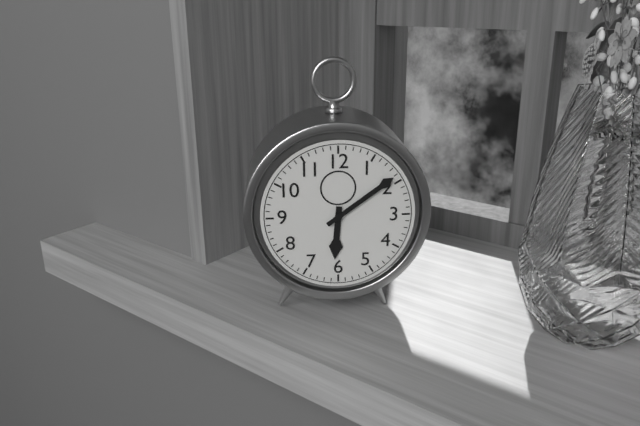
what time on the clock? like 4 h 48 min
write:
6 h 09 min
